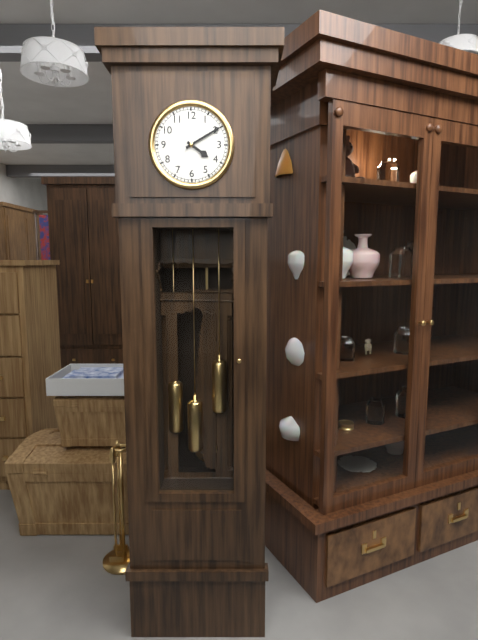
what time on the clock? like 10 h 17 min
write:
4 h 10 min
